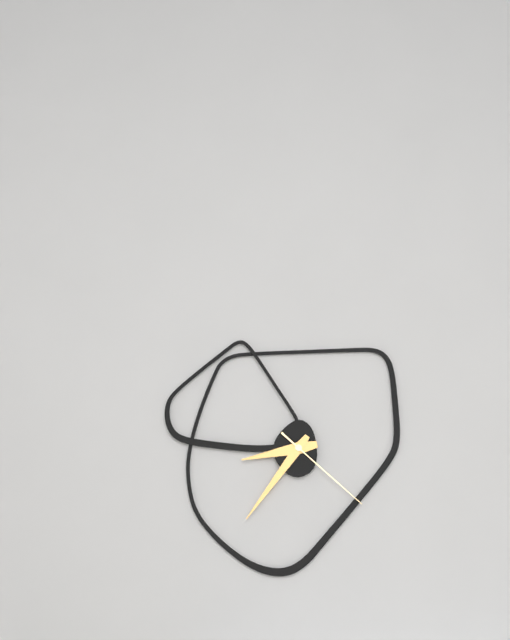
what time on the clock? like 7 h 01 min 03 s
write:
8 h 36 min 22 s
